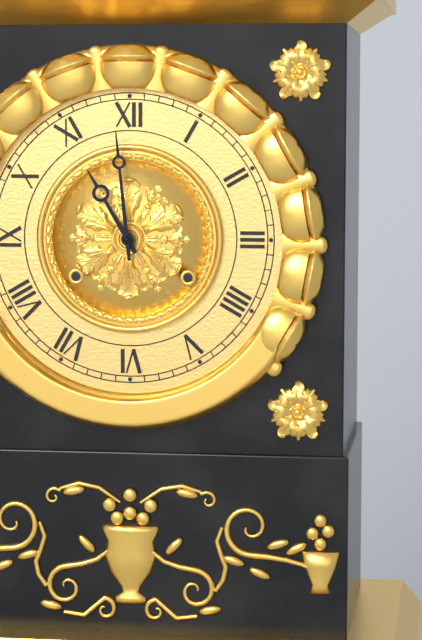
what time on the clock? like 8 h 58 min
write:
10 h 59 min
